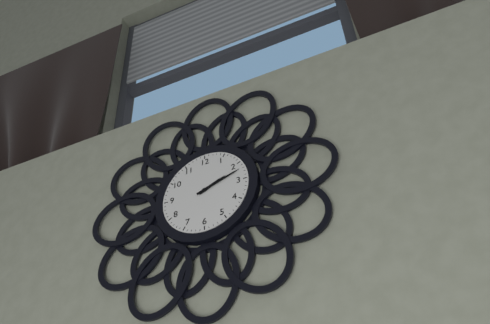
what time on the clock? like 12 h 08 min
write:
2 h 12 min
